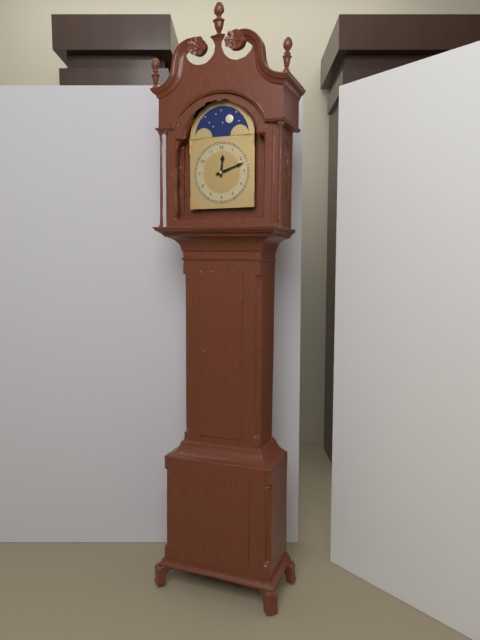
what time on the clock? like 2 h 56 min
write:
12 h 12 min
